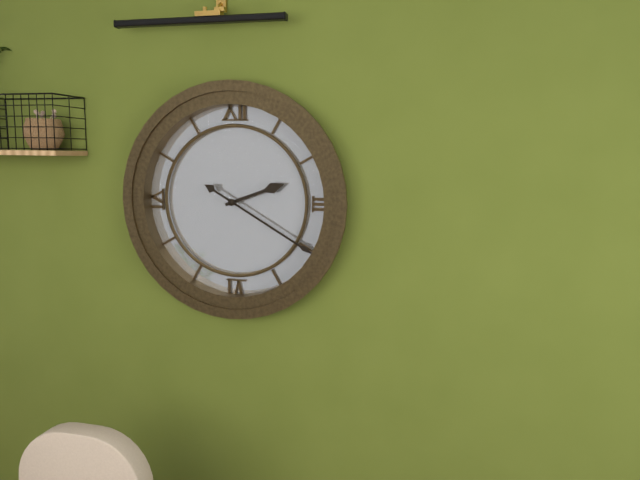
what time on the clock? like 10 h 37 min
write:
2 h 20 min
